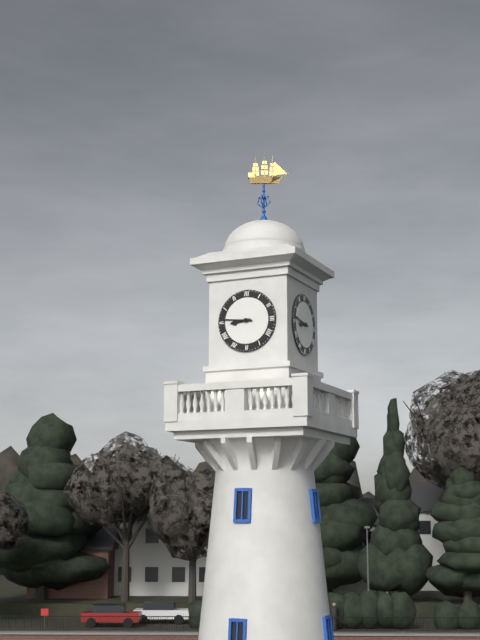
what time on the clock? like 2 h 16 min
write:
8 h 46 min
